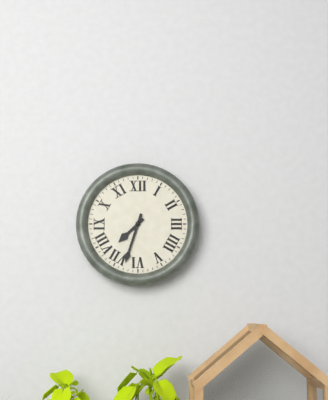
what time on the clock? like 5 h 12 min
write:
7 h 33 min
